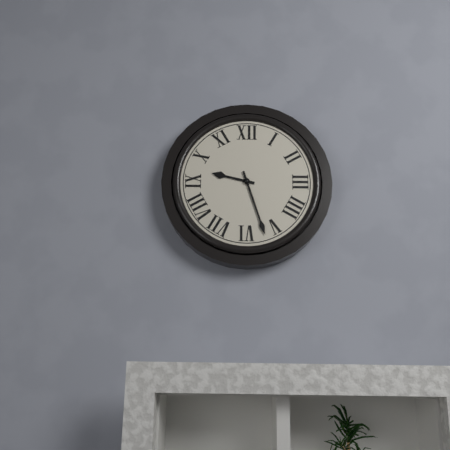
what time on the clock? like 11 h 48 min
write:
9 h 27 min
